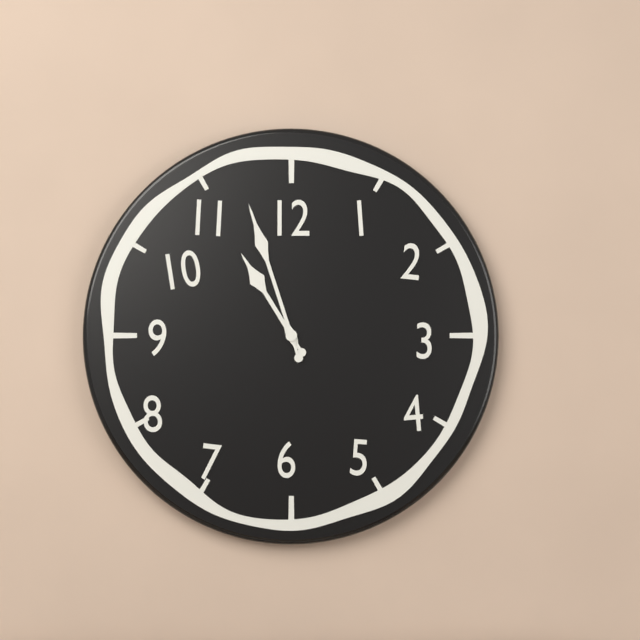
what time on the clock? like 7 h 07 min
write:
10 h 57 min
